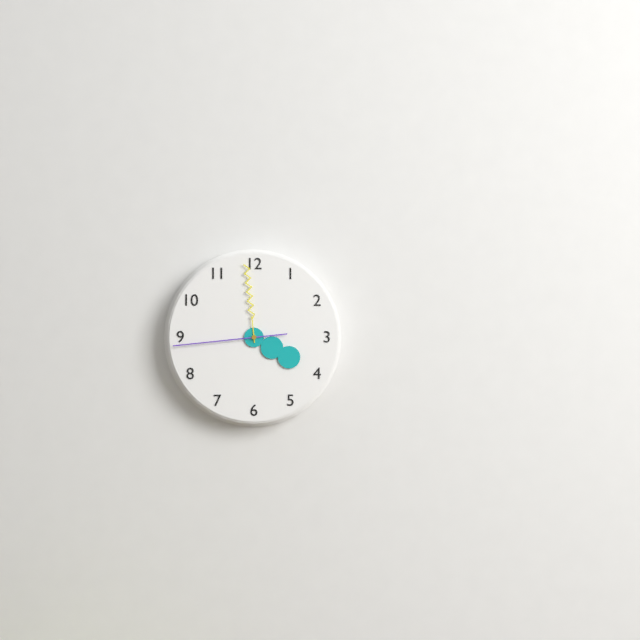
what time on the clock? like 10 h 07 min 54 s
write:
3 h 59 min 44 s
